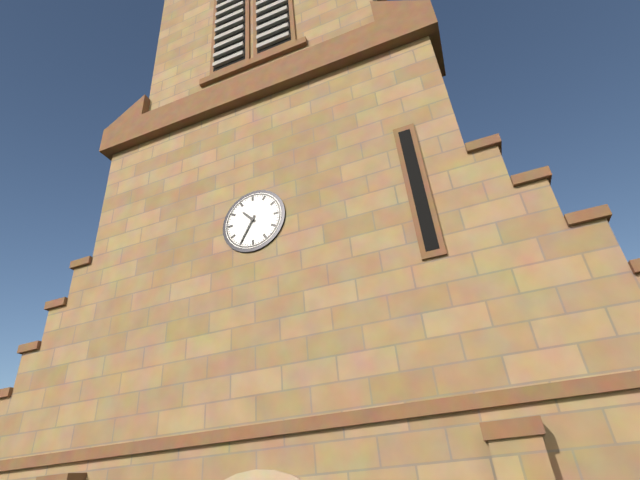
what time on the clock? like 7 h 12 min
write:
10 h 35 min
